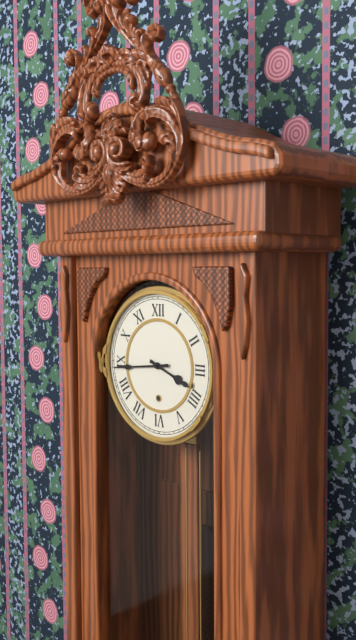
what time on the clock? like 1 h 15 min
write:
3 h 44 min
